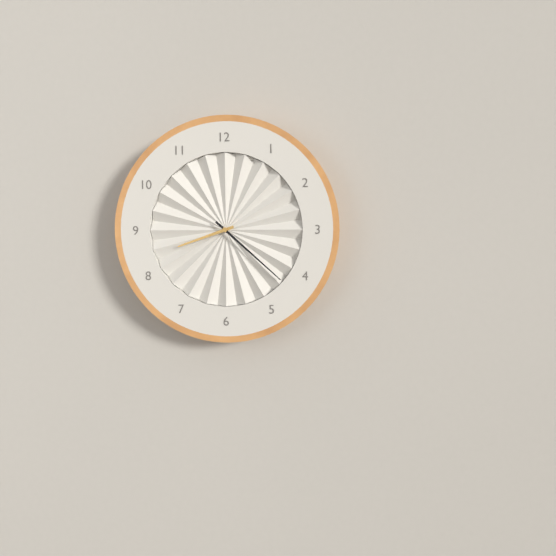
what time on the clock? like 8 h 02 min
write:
8 h 22 min
